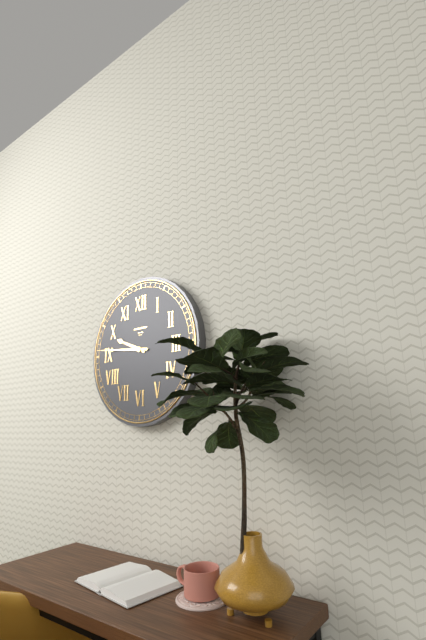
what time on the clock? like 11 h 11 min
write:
9 h 46 min
